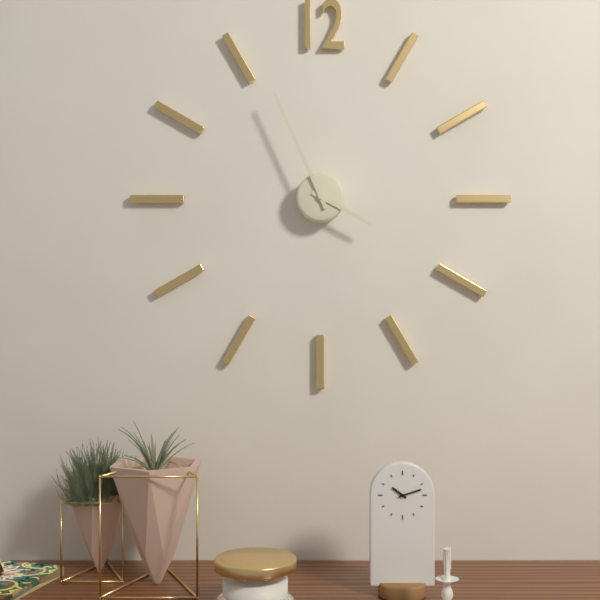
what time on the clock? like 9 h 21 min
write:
3 h 56 min
